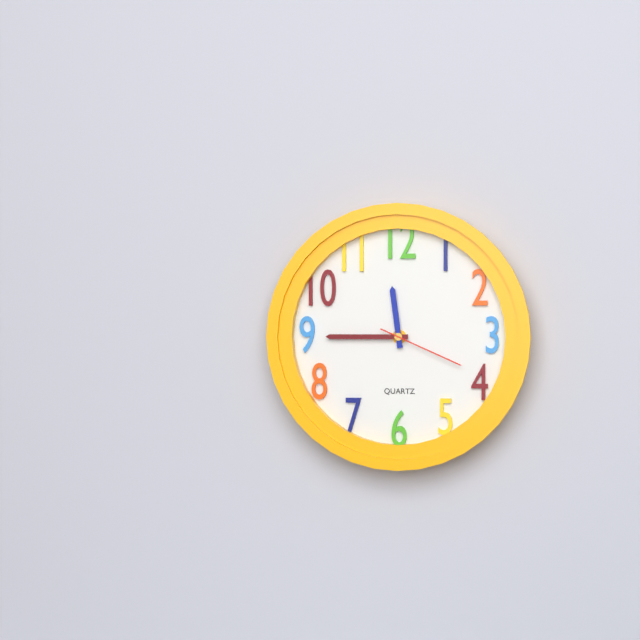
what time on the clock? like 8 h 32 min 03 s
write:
11 h 45 min 19 s
